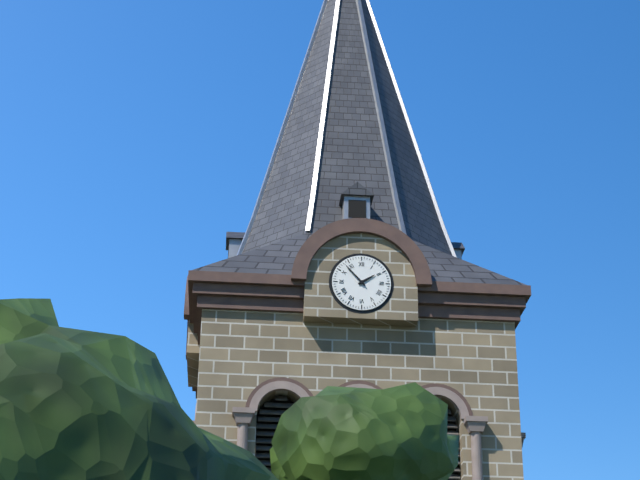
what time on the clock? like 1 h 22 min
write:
1 h 53 min
